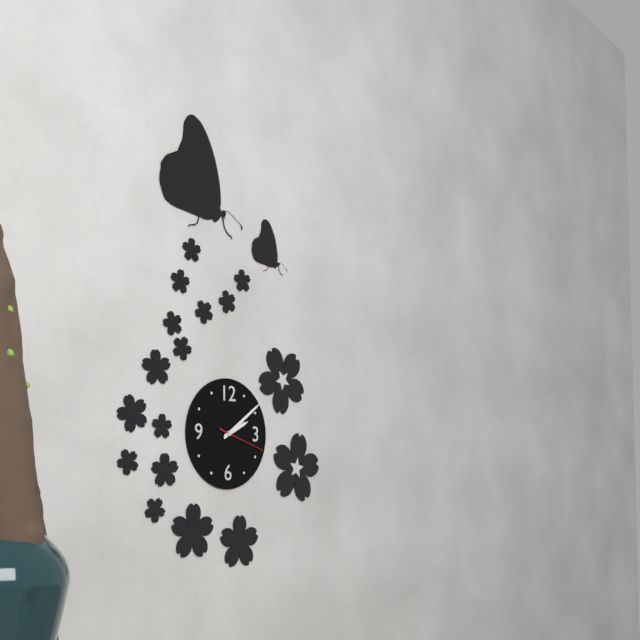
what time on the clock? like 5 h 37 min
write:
2 h 09 min
